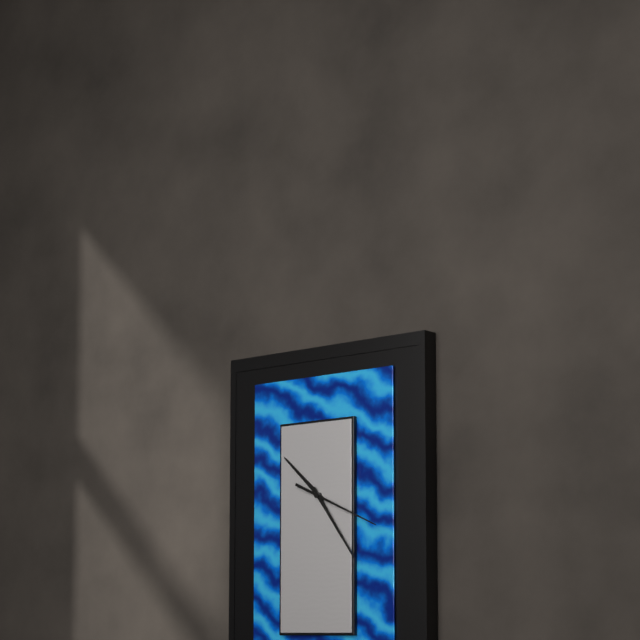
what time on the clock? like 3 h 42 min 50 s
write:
10 h 24 min 19 s
